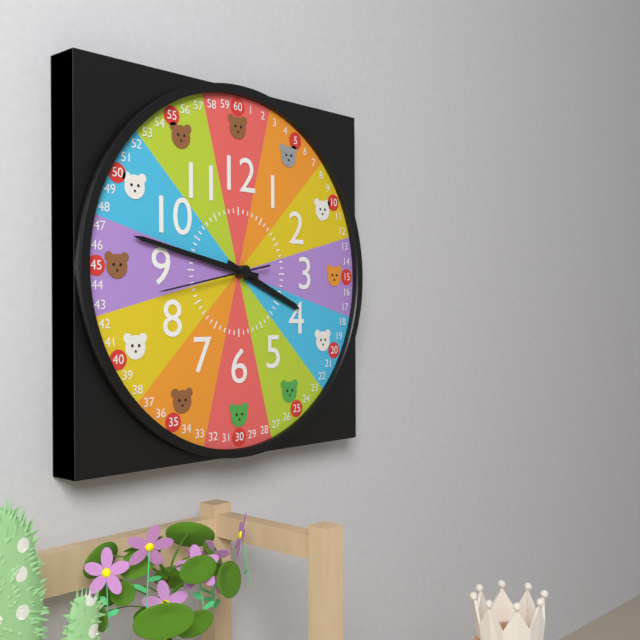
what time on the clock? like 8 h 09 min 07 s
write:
3 h 47 min 43 s
